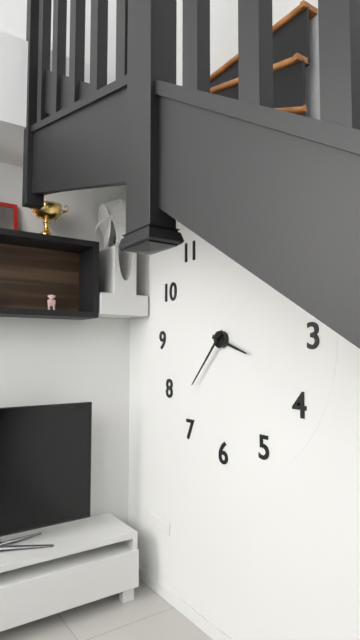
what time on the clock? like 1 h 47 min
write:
3 h 37 min
